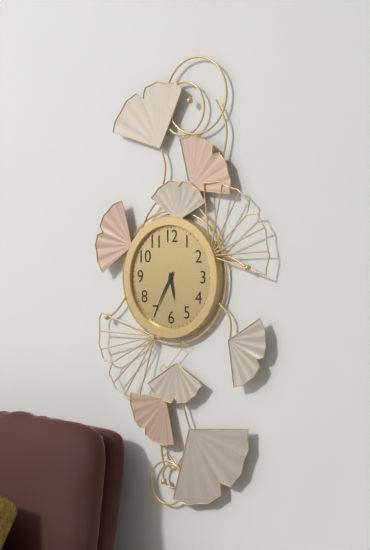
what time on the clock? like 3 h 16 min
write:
5 h 35 min
